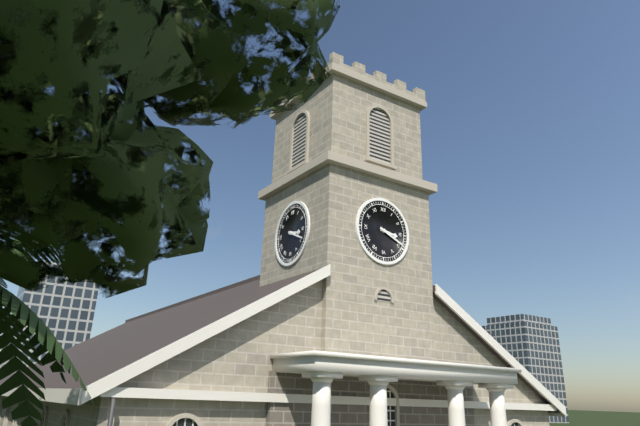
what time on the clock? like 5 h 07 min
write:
3 h 19 min
